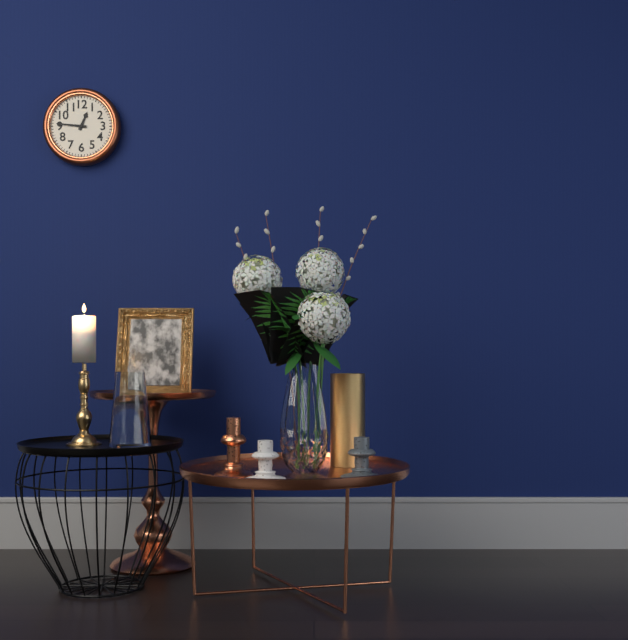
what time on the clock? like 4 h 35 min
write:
12 h 46 min
